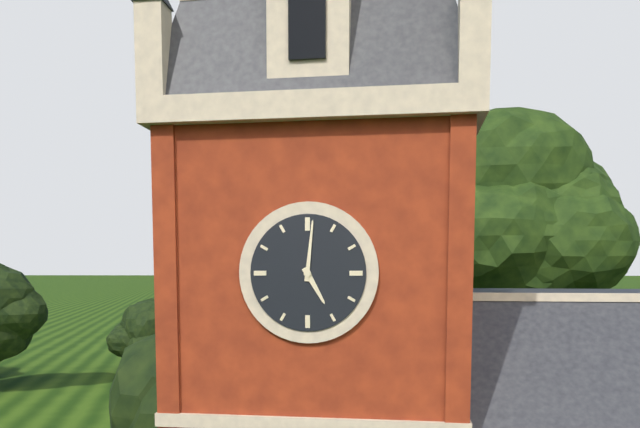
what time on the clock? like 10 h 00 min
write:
5 h 01 min
